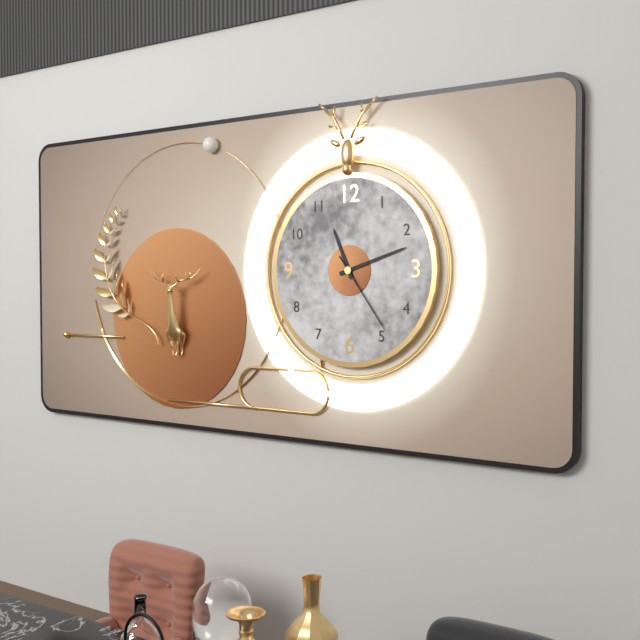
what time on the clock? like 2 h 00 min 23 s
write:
11 h 12 min 24 s
